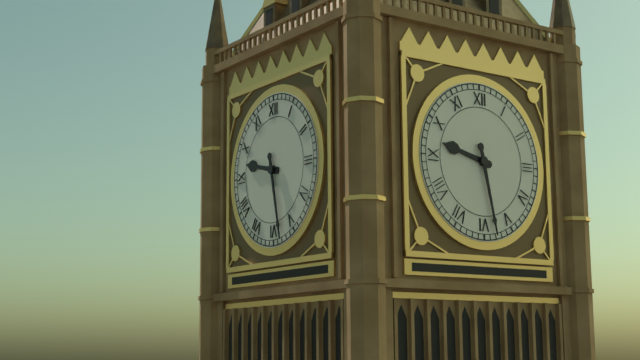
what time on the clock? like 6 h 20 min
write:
9 h 28 min
